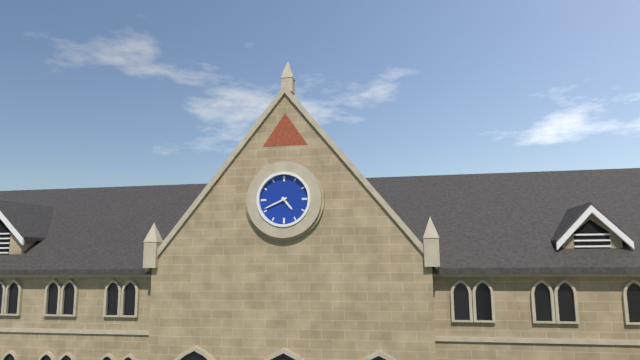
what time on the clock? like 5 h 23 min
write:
4 h 41 min
